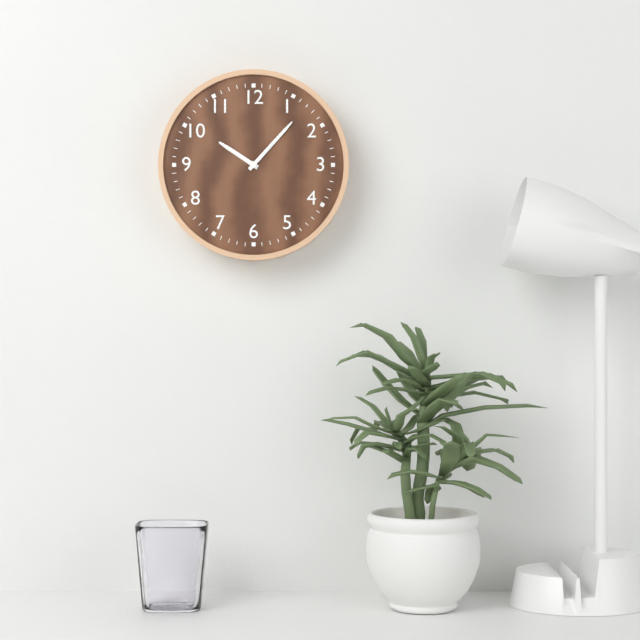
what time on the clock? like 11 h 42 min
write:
10 h 07 min
